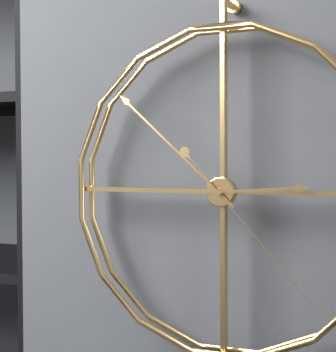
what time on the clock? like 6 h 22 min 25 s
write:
2 h 52 min 23 s
